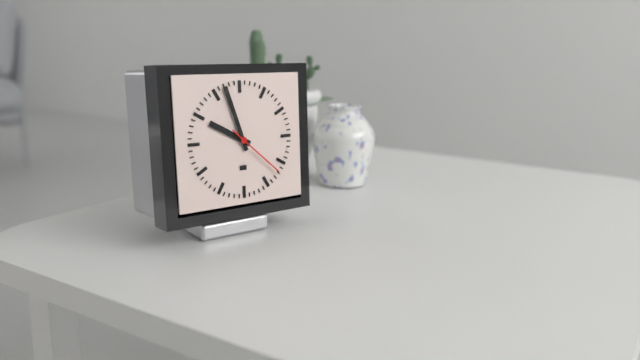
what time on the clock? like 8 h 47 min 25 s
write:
9 h 57 min 22 s
